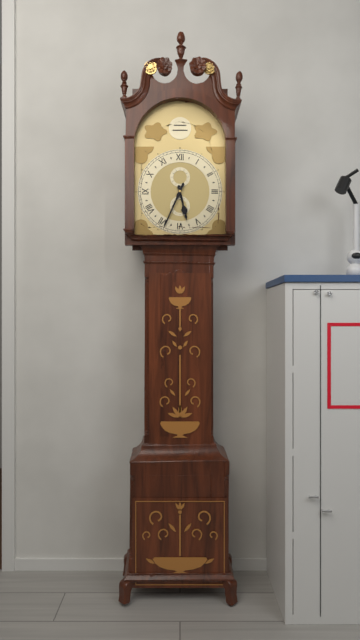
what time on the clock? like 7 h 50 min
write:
5 h 34 min
